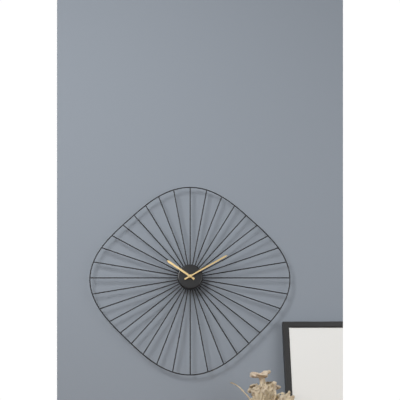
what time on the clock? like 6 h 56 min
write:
10 h 10 min
